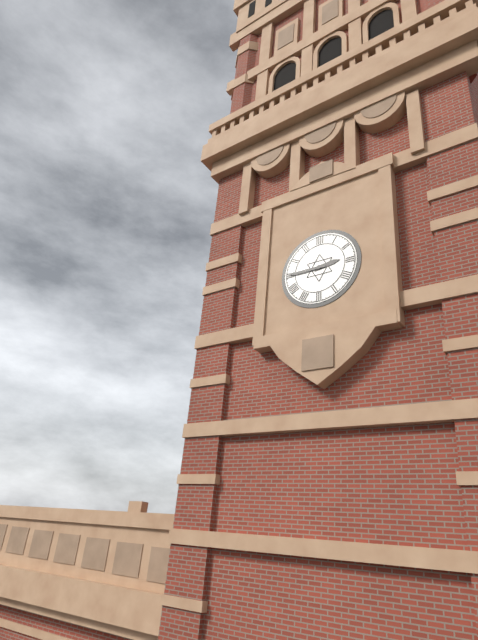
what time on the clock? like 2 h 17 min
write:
2 h 45 min
